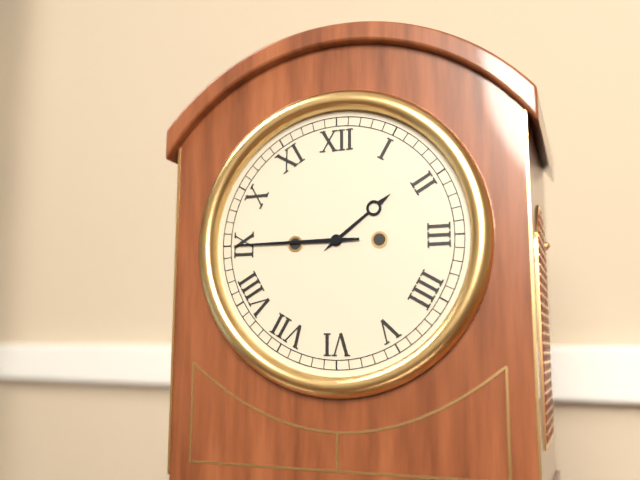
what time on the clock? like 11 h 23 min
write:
1 h 45 min
